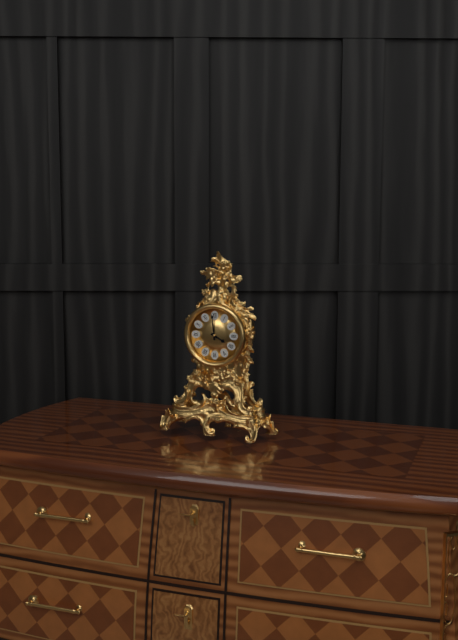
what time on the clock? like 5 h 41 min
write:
3 h 59 min
